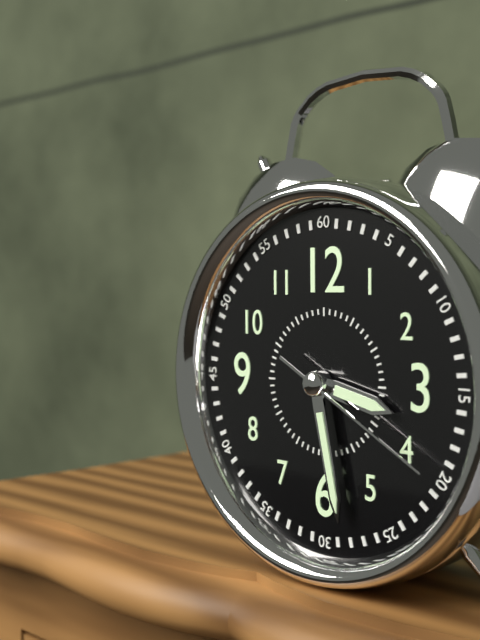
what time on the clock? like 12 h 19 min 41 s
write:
3 h 28 min 20 s
